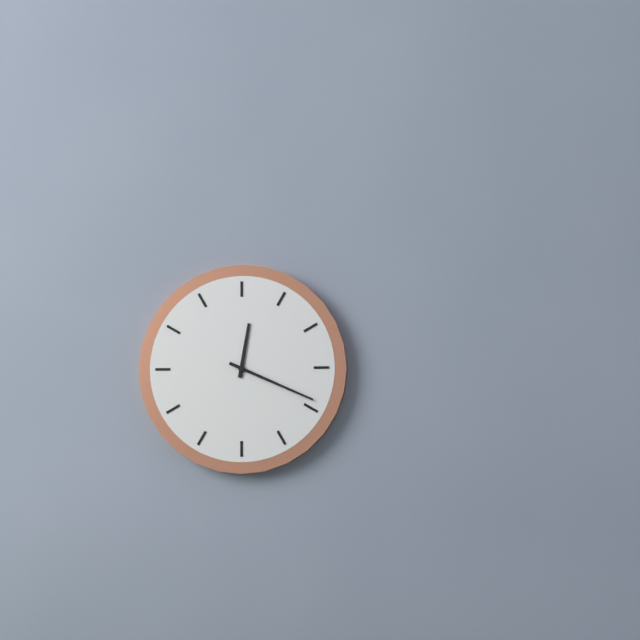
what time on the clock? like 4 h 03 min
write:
12 h 19 min
